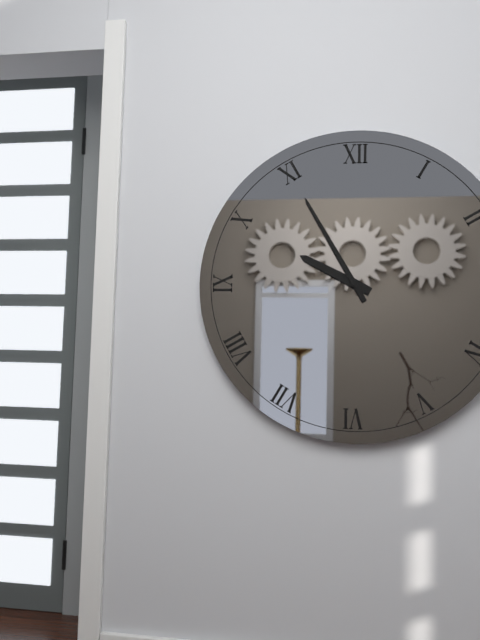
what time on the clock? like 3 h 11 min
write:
9 h 55 min
